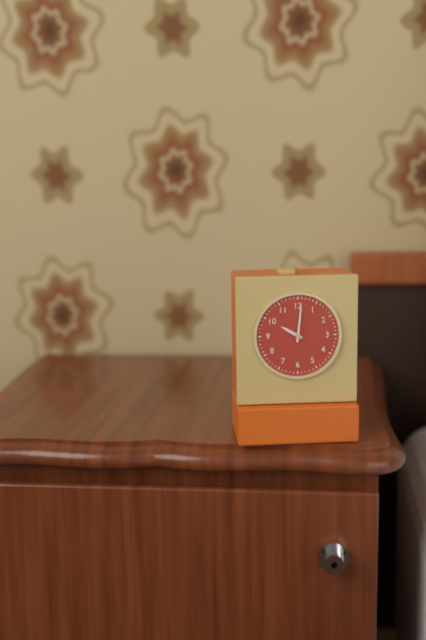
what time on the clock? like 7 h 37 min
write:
10 h 01 min
